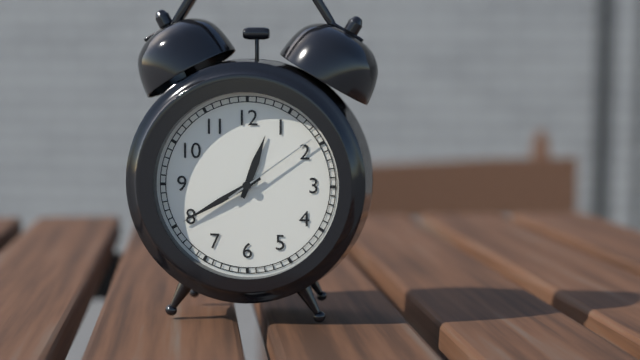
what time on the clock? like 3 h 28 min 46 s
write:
12 h 40 min 09 s
